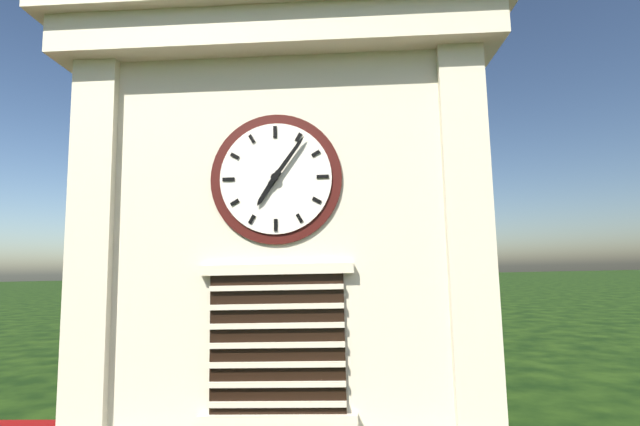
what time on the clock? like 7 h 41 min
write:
7 h 06 min
